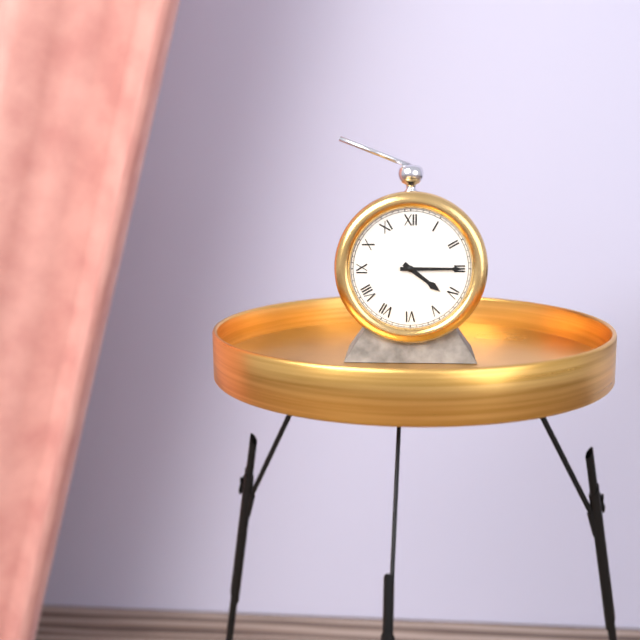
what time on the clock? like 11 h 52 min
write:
4 h 15 min
